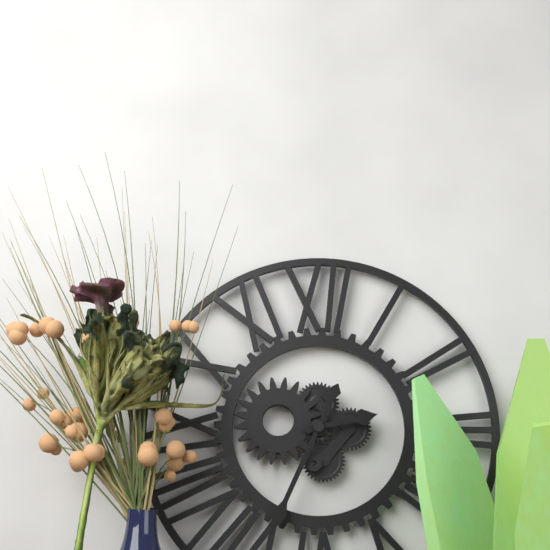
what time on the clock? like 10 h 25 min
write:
2 h 34 min
